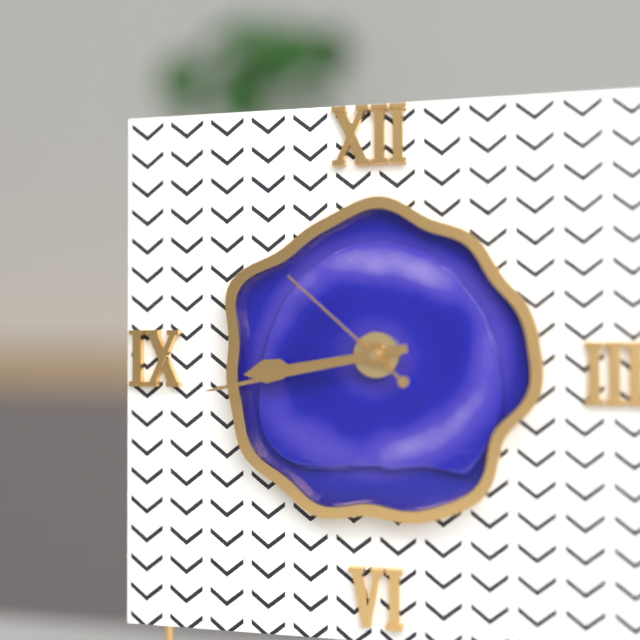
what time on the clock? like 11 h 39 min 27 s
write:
8 h 43 min 52 s
